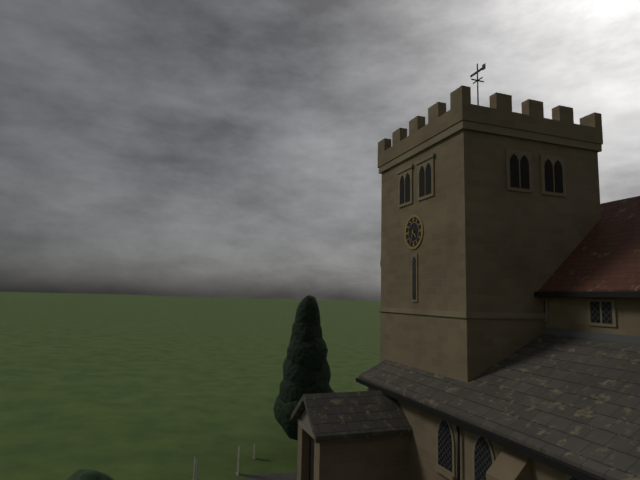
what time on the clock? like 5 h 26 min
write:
4 h 34 min
